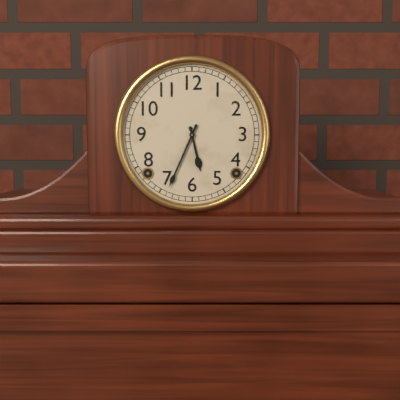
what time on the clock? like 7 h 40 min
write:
5 h 34 min
